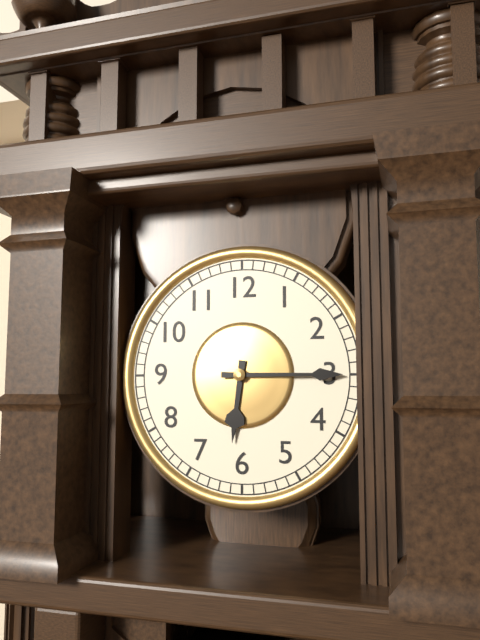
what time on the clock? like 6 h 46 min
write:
6 h 15 min
